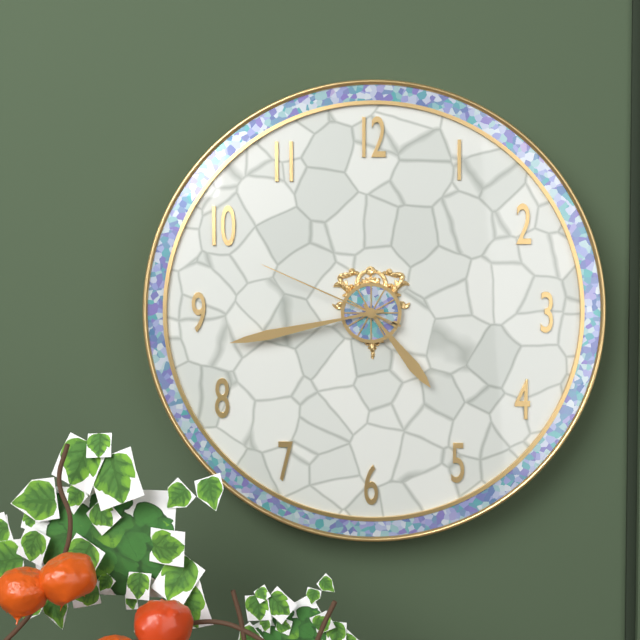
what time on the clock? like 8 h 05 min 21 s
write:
4 h 43 min 49 s
